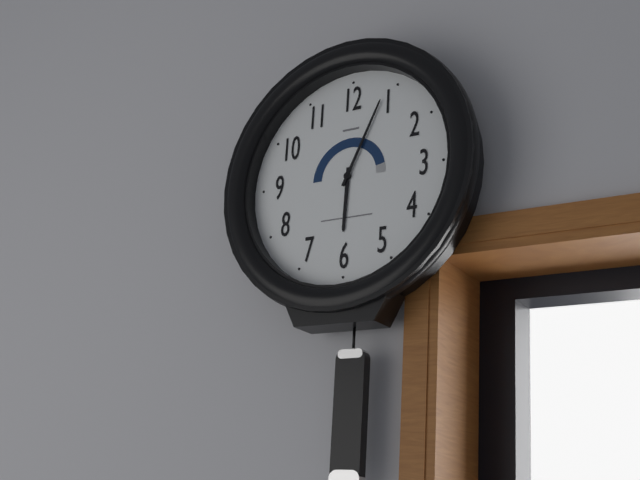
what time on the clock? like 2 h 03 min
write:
6 h 04 min
